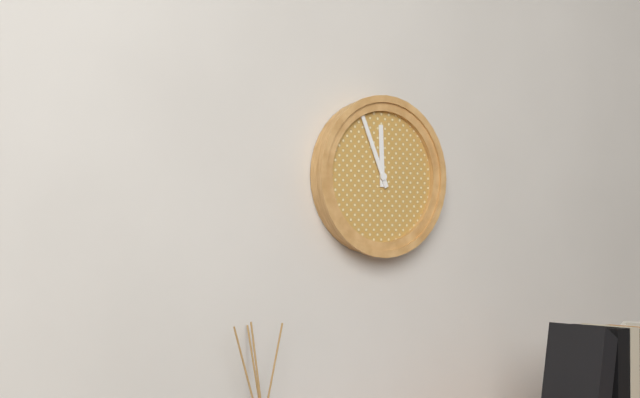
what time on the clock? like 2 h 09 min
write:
11 h 56 min
